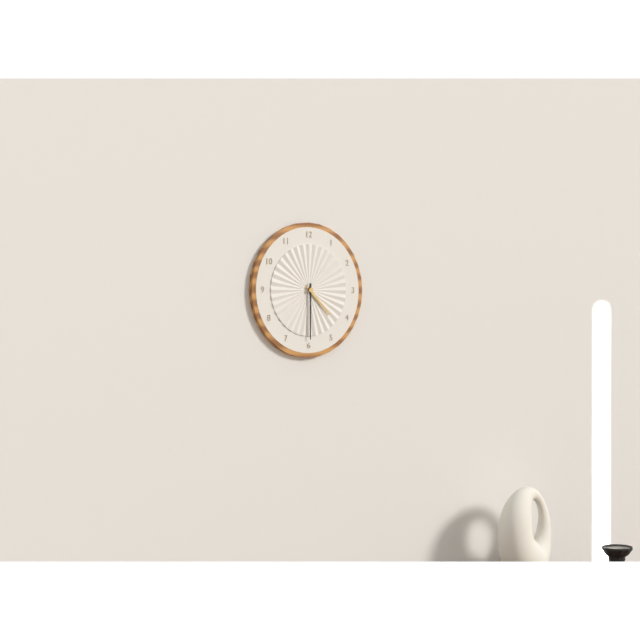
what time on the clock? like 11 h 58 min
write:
4 h 30 min
